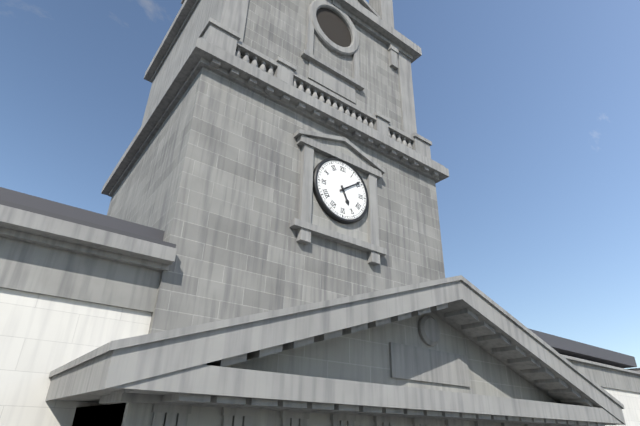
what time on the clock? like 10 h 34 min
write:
5 h 09 min
